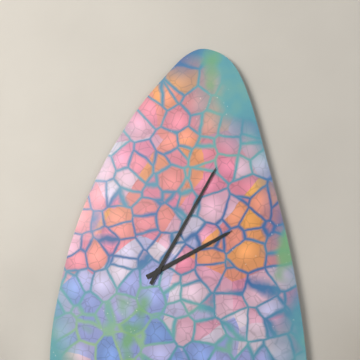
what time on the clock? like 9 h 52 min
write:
2 h 05 min
